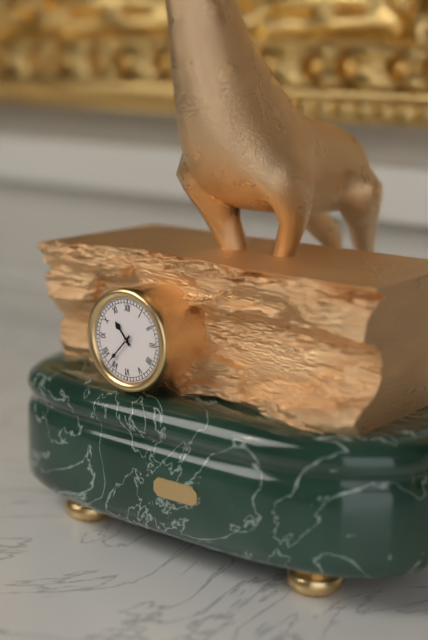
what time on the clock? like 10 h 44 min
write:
10 h 37 min
